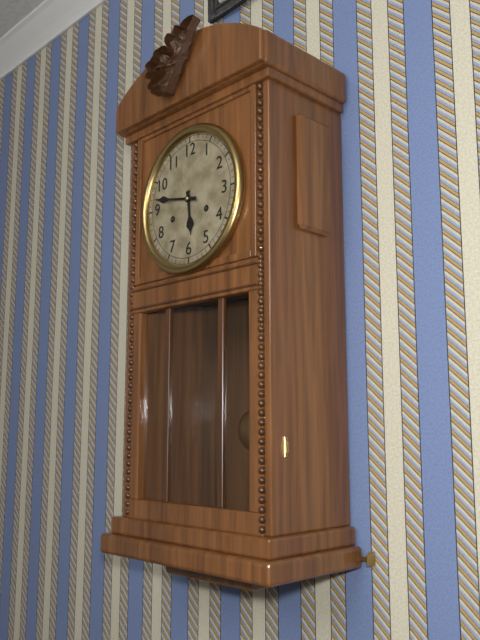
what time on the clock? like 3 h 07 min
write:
5 h 47 min
